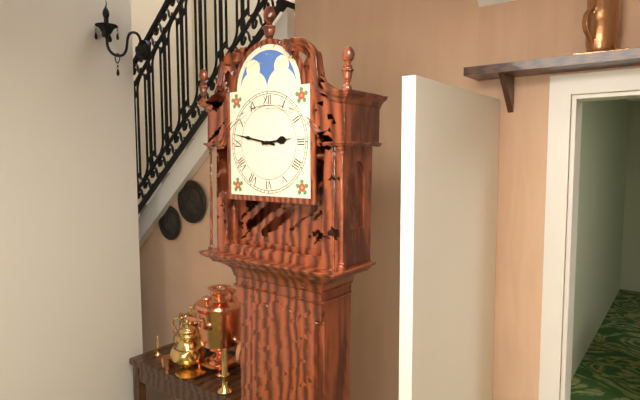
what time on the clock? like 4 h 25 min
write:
2 h 47 min
